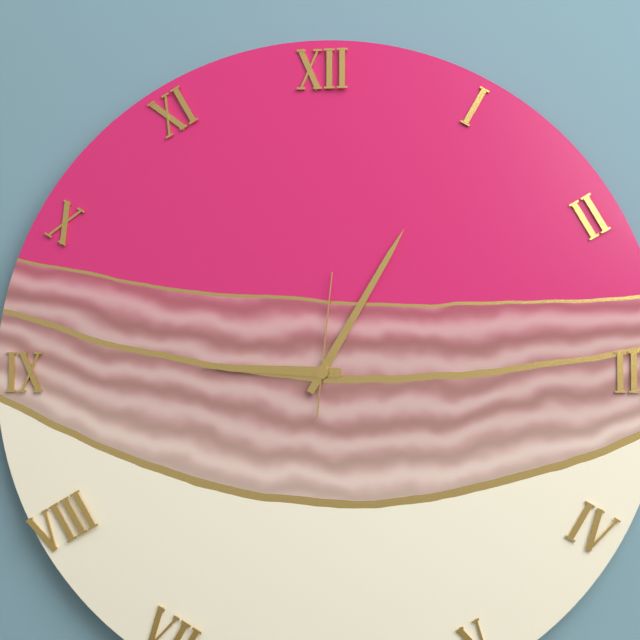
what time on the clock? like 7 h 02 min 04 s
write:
9 h 05 min 01 s
